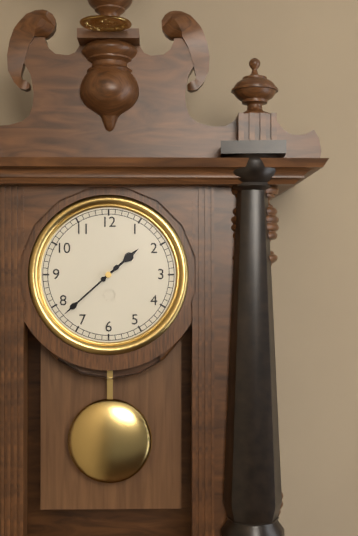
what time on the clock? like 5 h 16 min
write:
1 h 38 min
